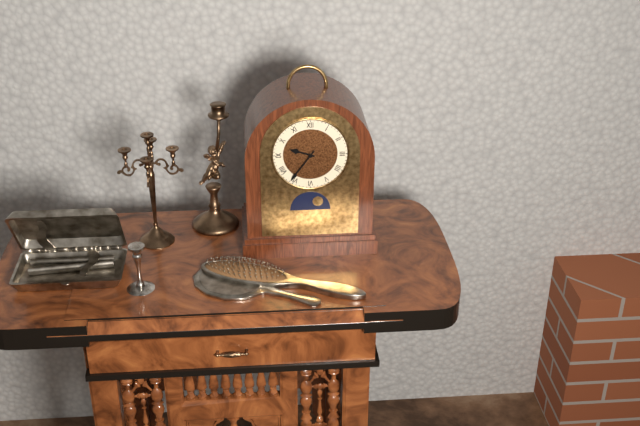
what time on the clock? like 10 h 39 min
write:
9 h 36 min
